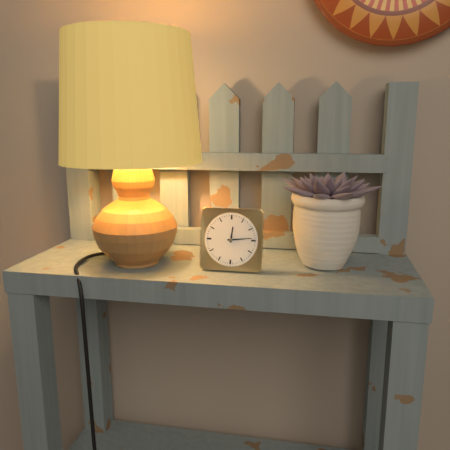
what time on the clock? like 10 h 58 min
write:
12 h 14 min
